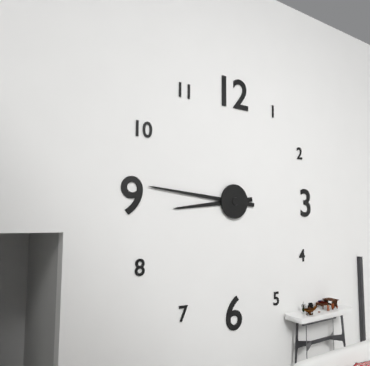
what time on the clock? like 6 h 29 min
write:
8 h 46 min
